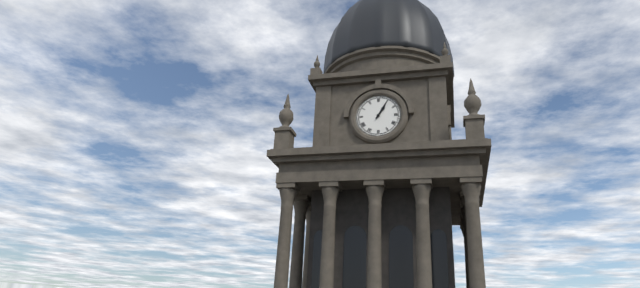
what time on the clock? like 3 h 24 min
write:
1 h 05 min
